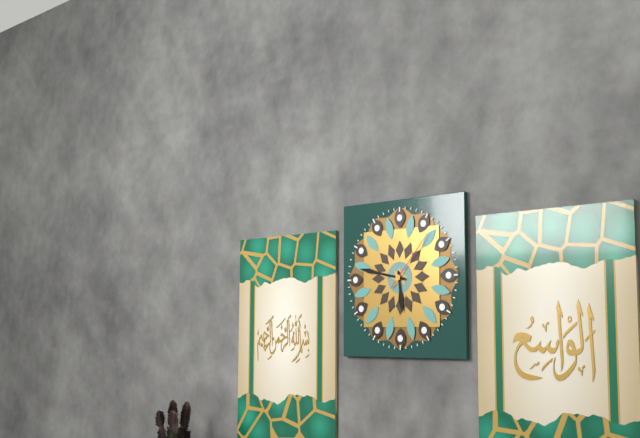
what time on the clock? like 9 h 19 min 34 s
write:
5 h 47 min 07 s
